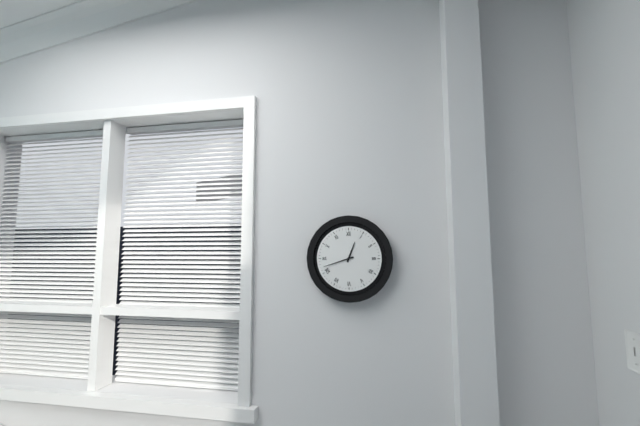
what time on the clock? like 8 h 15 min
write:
12 h 42 min
